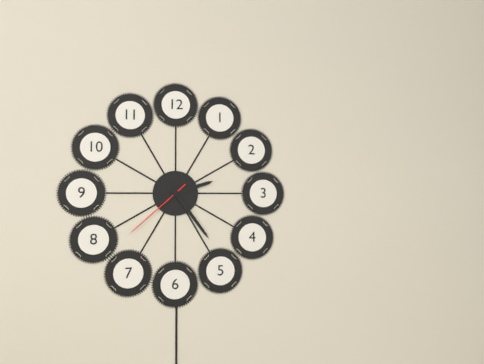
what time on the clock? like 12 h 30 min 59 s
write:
2 h 24 min 38 s
